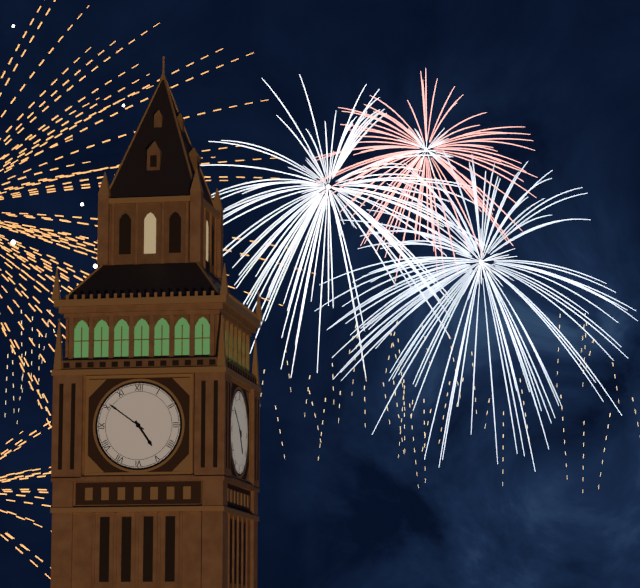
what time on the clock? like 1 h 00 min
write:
4 h 51 min
